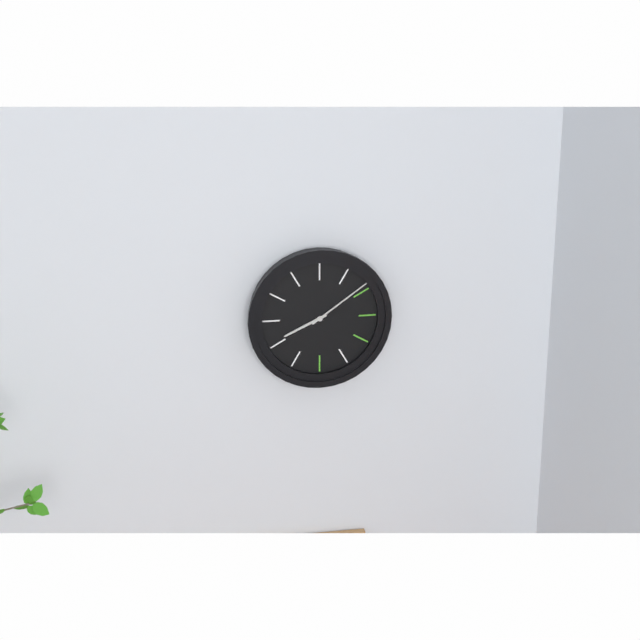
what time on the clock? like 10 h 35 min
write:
8 h 09 min
